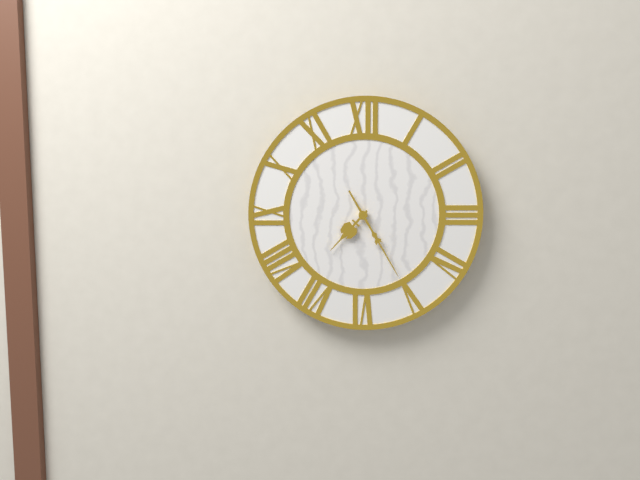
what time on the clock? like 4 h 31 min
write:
7 h 25 min
